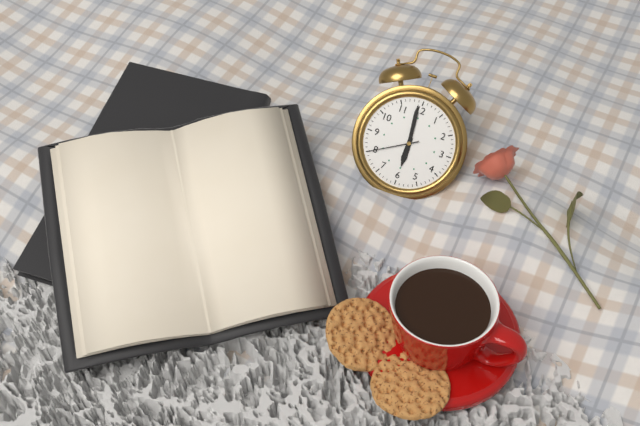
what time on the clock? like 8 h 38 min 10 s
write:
5 h 59 min 40 s
